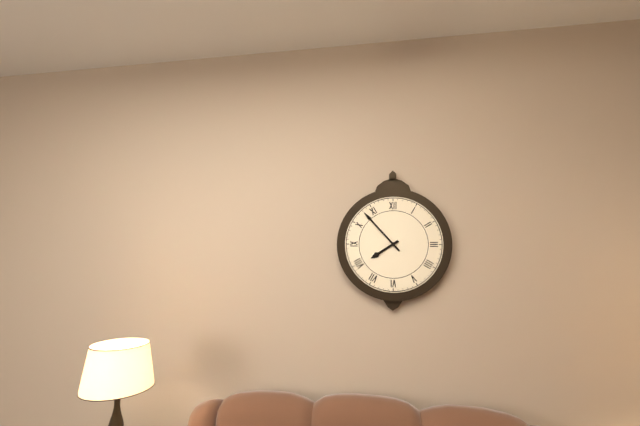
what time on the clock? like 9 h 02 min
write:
7 h 53 min
